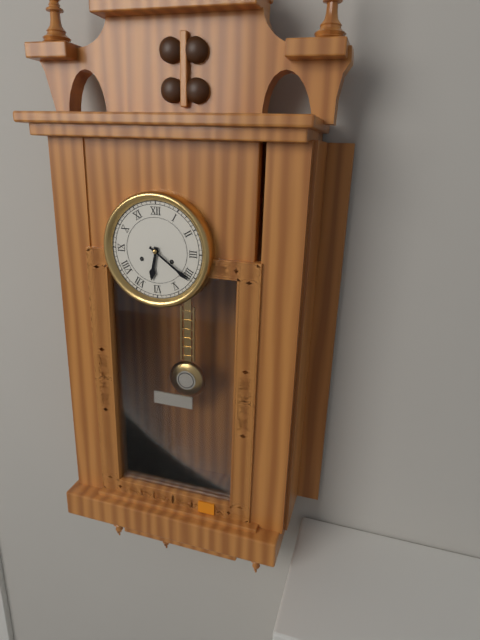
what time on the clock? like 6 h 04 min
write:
6 h 21 min
